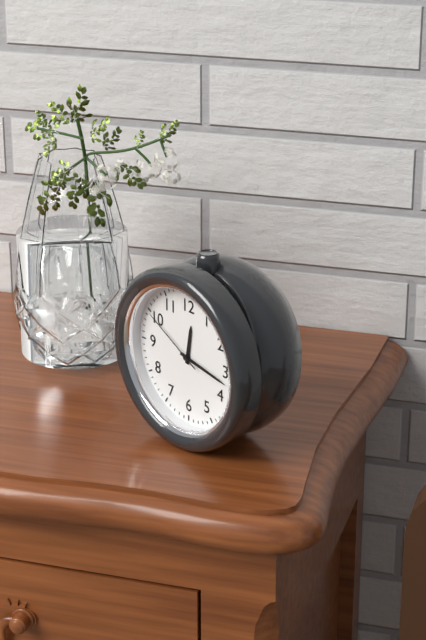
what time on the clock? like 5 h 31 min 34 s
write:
12 h 17 min 50 s
